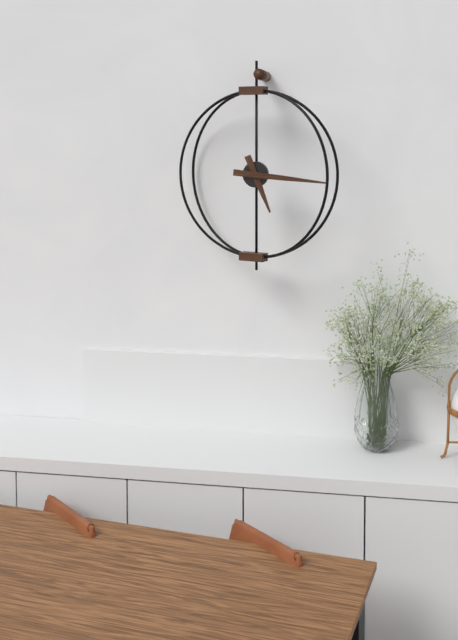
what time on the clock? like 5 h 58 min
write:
5 h 16 min
